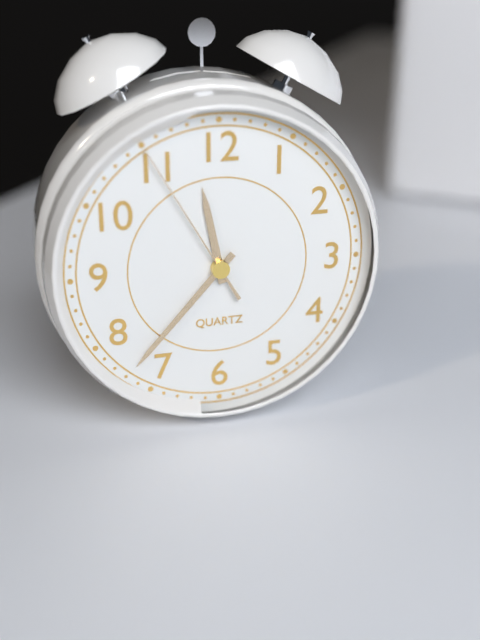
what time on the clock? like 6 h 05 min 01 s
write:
11 h 37 min 55 s
